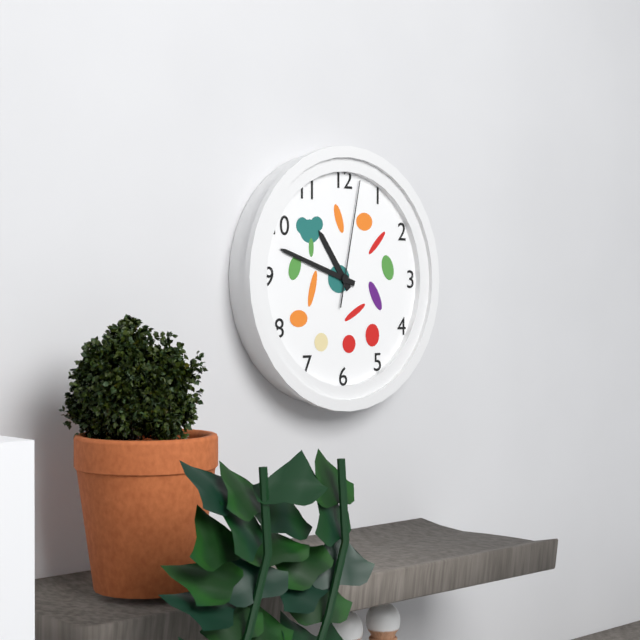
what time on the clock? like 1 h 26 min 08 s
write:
10 h 48 min 02 s
